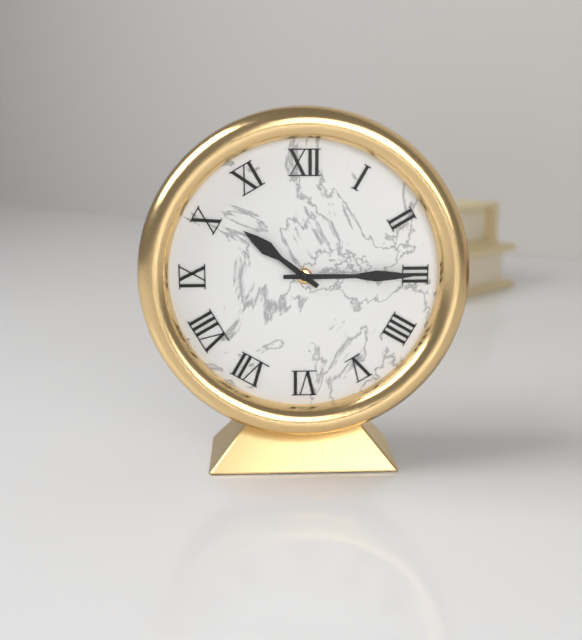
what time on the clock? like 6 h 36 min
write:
10 h 15 min
